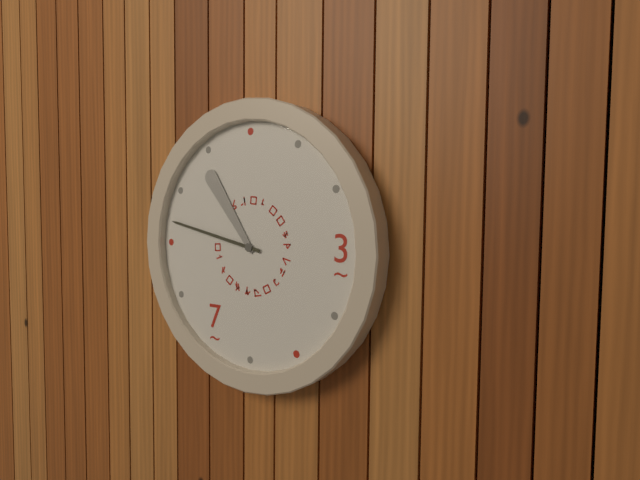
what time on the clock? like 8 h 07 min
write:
10 h 47 min
